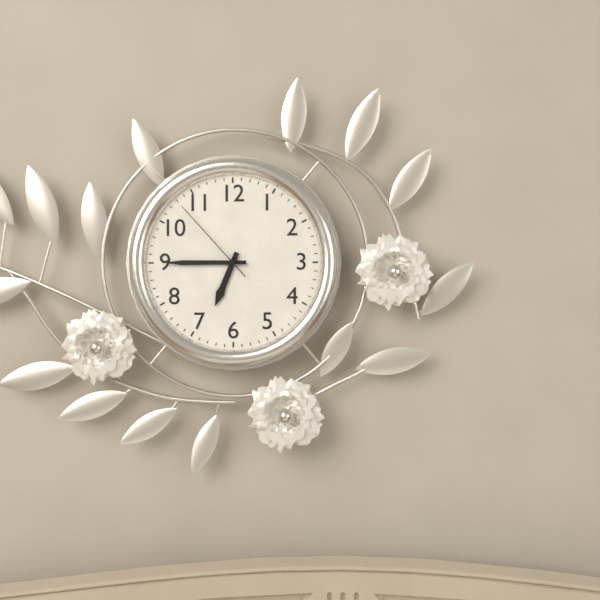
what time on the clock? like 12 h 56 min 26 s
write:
6 h 45 min 53 s
